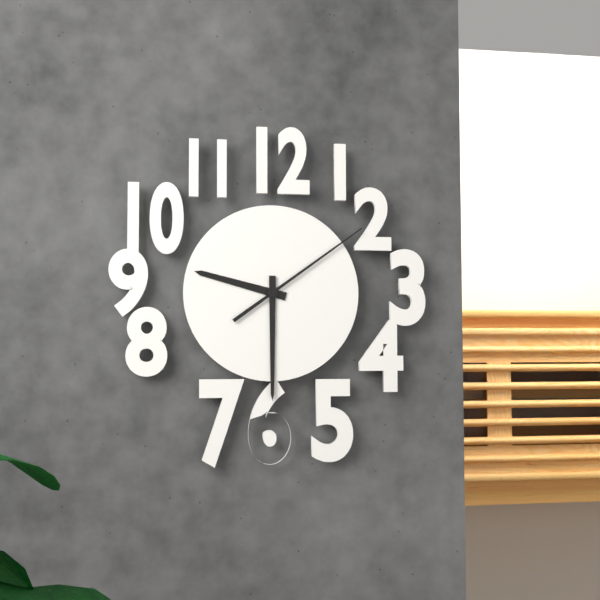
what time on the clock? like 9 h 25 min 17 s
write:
9 h 30 min 09 s
